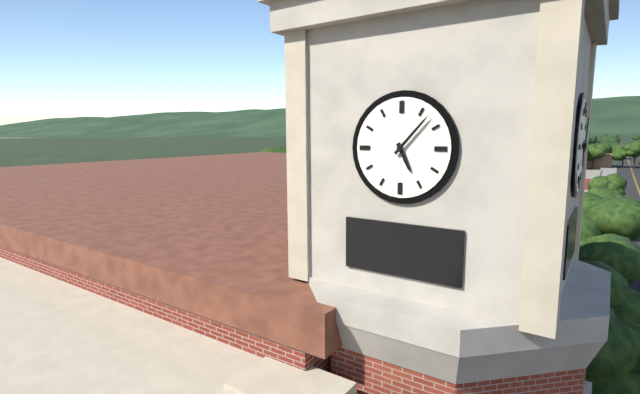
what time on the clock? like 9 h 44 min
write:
5 h 07 min
